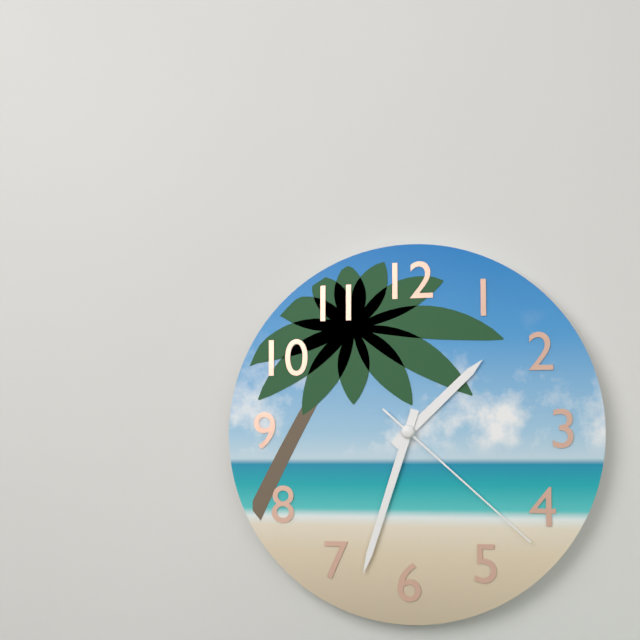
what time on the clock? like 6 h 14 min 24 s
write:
1 h 33 min 22 s
